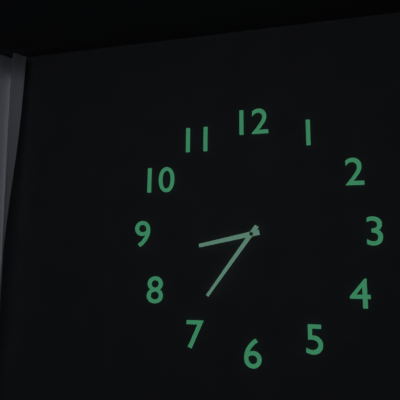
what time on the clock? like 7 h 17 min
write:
8 h 36 min
